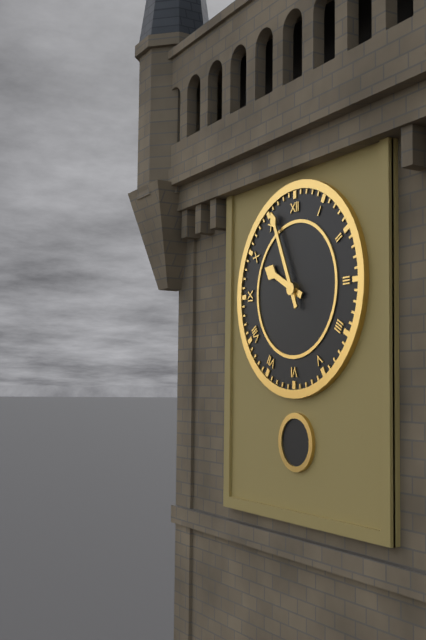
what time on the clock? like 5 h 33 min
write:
9 h 56 min
